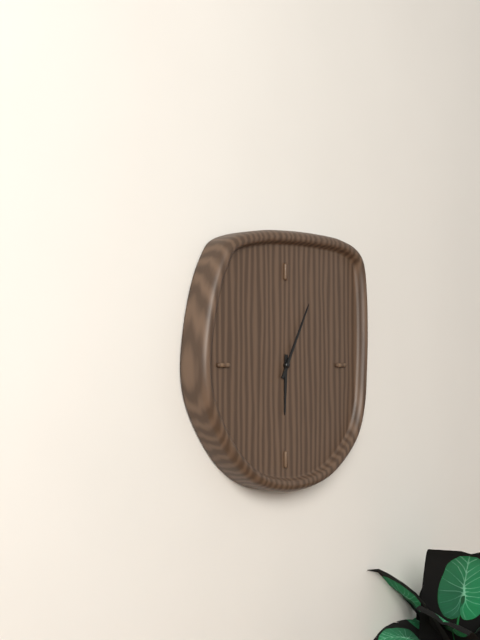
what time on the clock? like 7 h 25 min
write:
6 h 05 min
